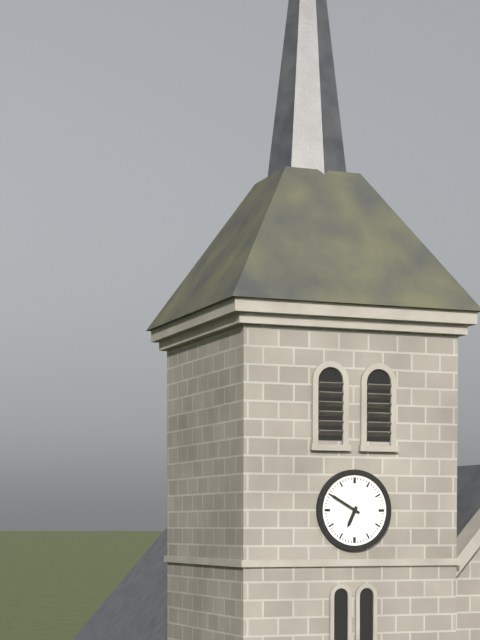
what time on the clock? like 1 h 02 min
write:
6 h 50 min
